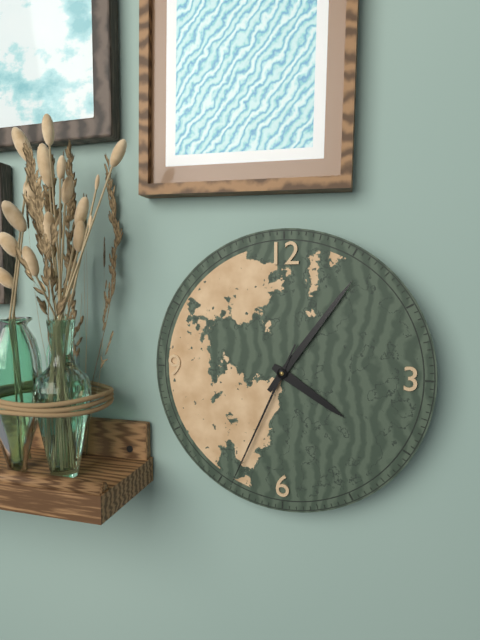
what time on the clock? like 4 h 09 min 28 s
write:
4 h 06 min 34 s
